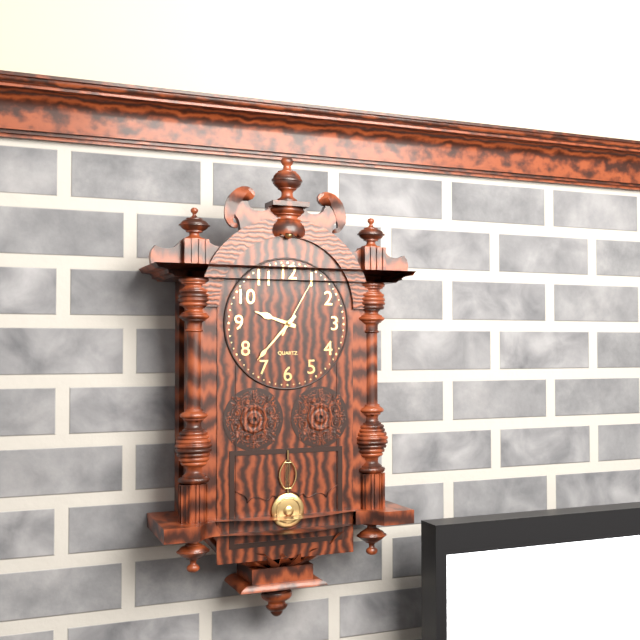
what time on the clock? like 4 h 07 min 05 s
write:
9 h 37 min 05 s
